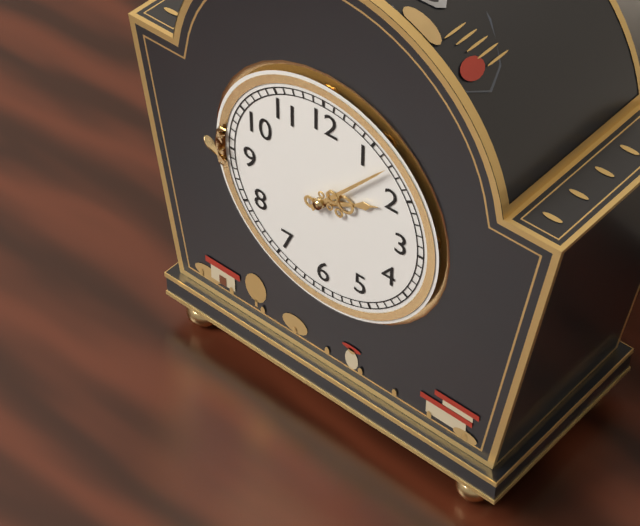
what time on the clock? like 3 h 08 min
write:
2 h 07 min
